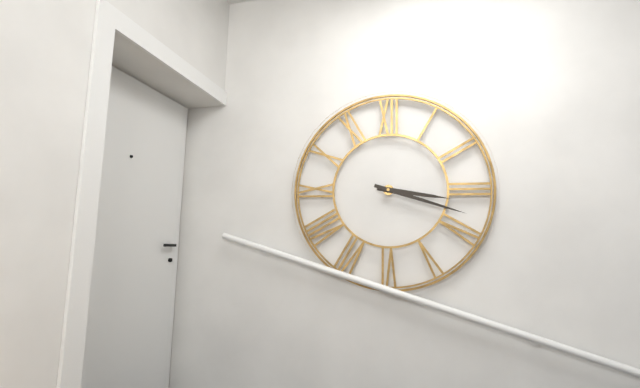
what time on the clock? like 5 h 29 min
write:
3 h 18 min
